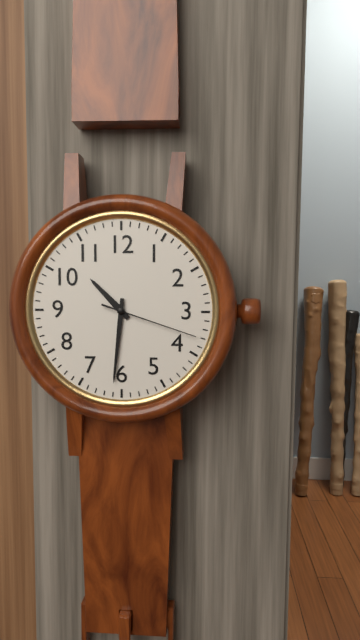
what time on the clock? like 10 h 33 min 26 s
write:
10 h 31 min 18 s
